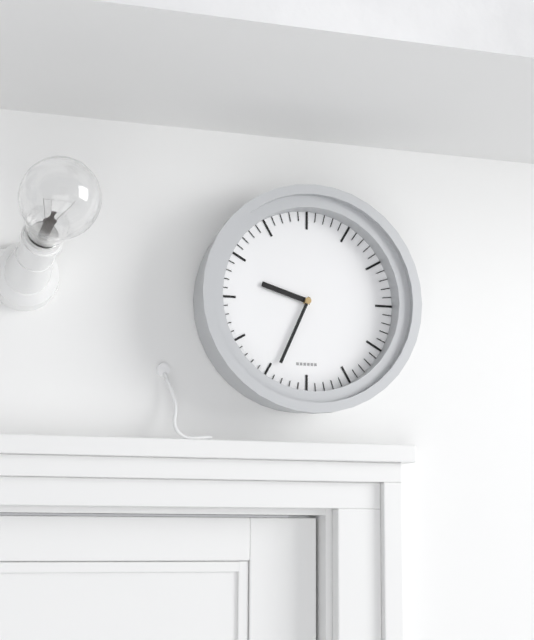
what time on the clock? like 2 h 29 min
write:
9 h 34 min
